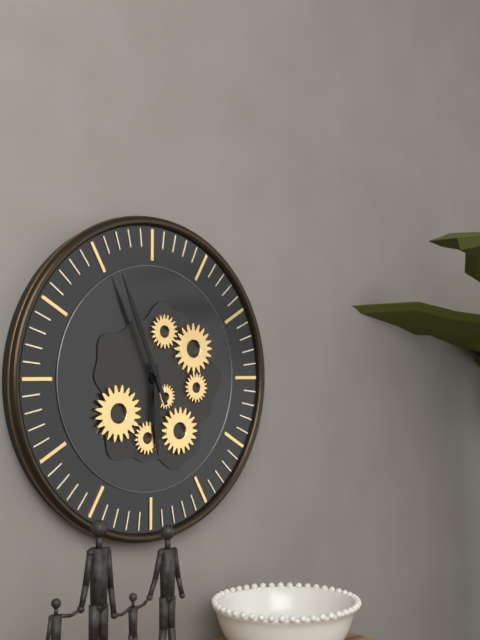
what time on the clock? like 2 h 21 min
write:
5 h 56 min
